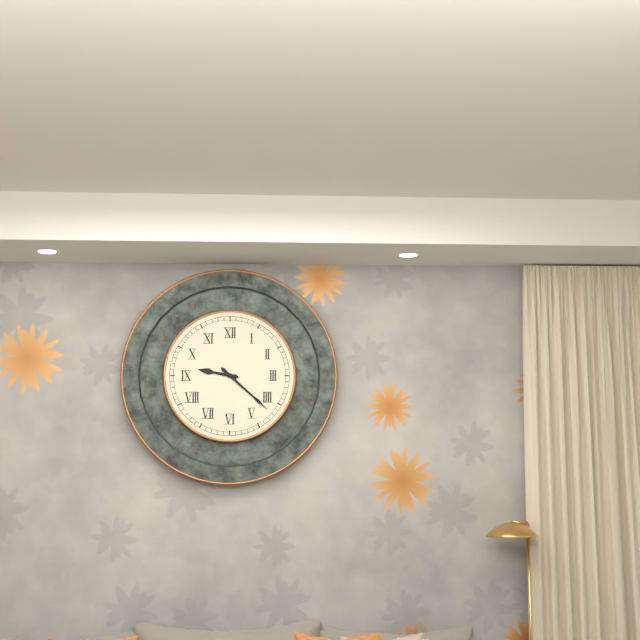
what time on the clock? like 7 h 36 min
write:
9 h 22 min
